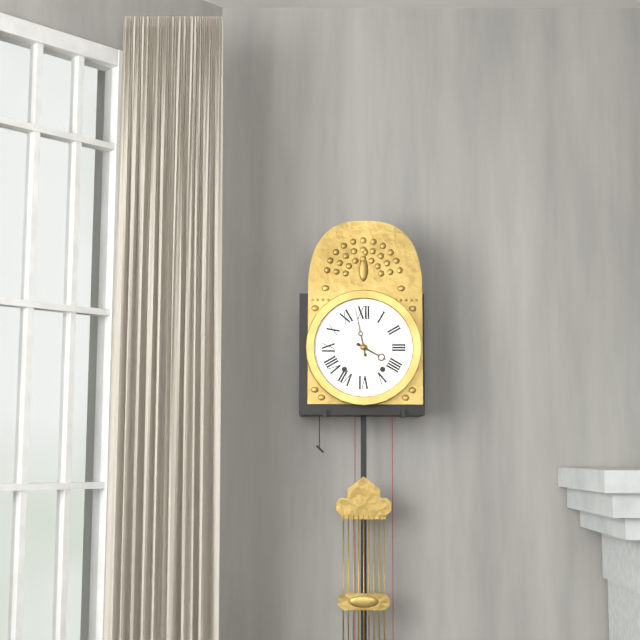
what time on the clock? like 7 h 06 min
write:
3 h 58 min
